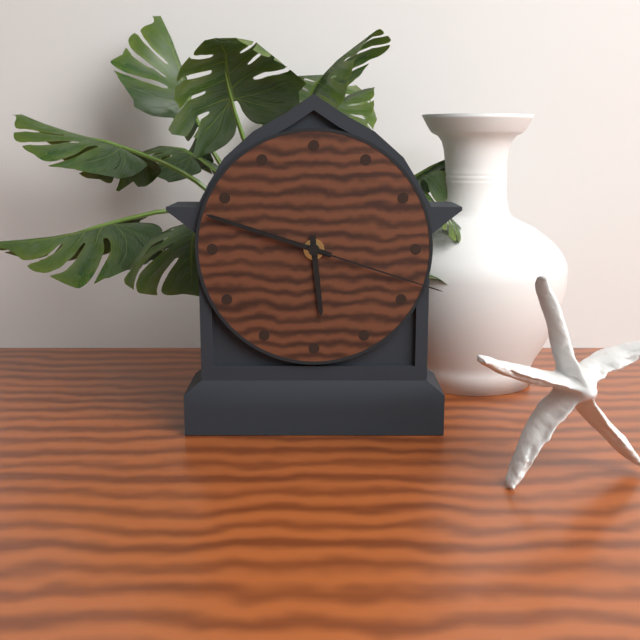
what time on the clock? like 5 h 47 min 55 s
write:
5 h 48 min 18 s
